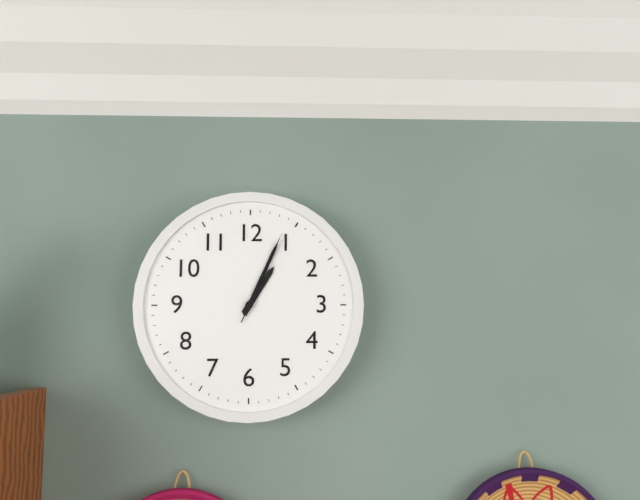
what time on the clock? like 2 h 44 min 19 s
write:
1 h 04 min 04 s
